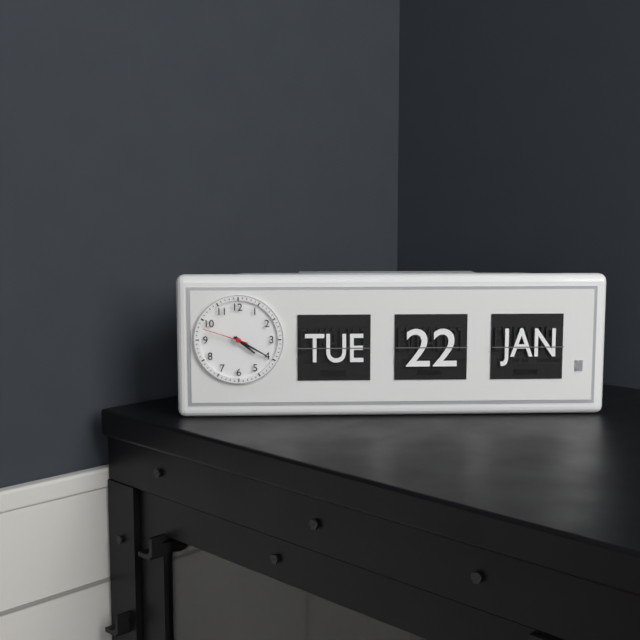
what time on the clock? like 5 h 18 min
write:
4 h 20 min
